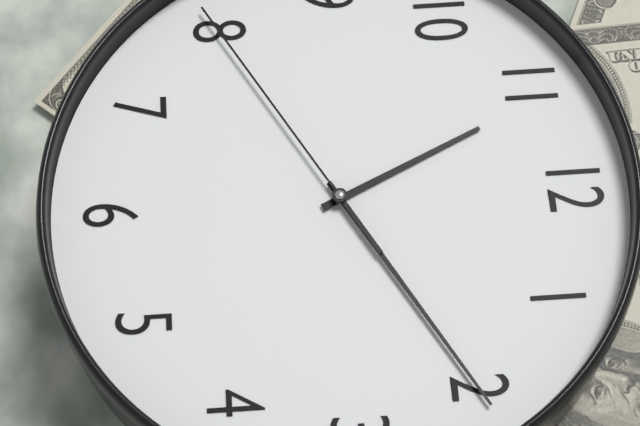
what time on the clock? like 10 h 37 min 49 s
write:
11 h 10 min 40 s
